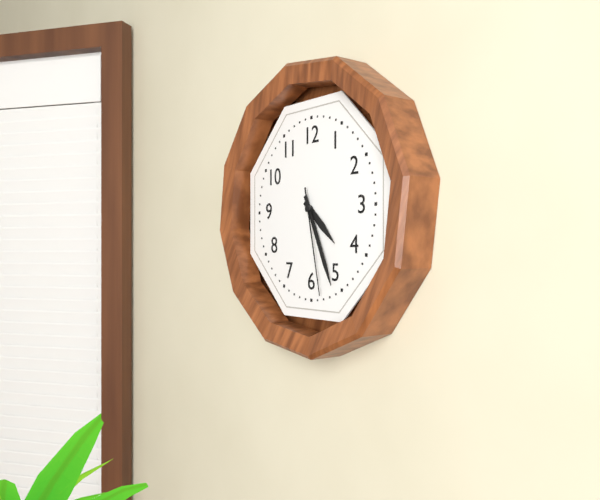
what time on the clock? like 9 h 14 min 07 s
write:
4 h 26 min 28 s
